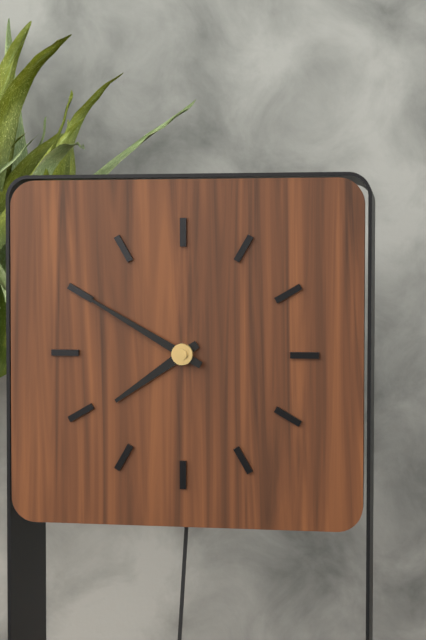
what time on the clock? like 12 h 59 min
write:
7 h 50 min
